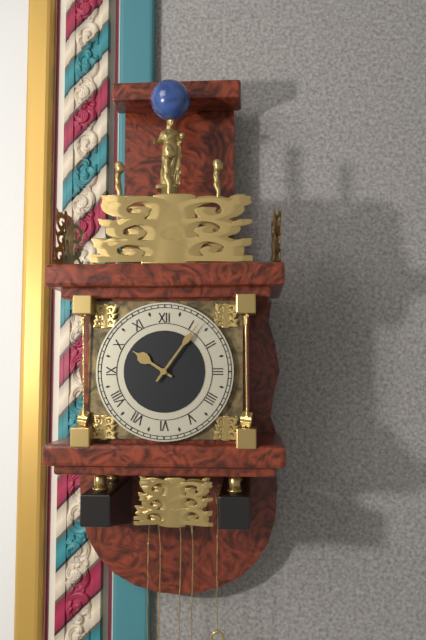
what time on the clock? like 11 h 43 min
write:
10 h 06 min
